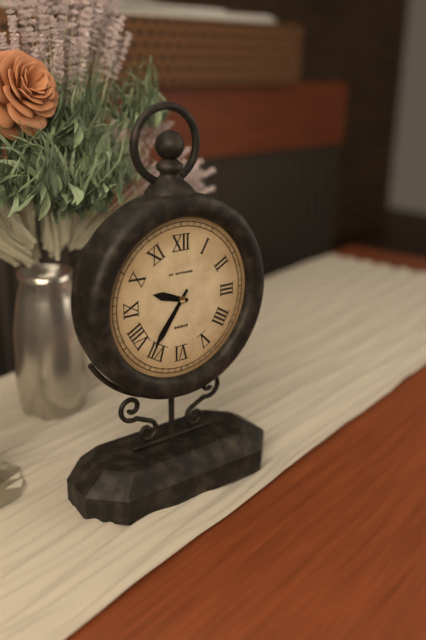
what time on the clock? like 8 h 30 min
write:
9 h 36 min
